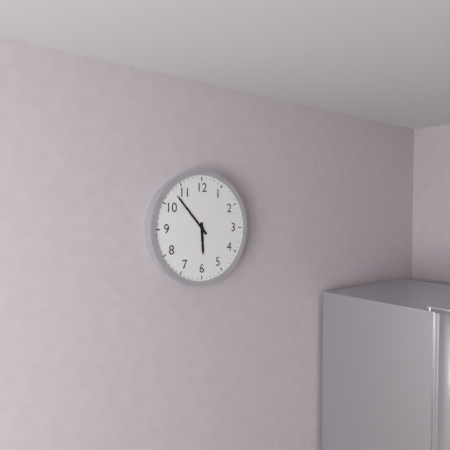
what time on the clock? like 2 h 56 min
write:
5 h 53 min
